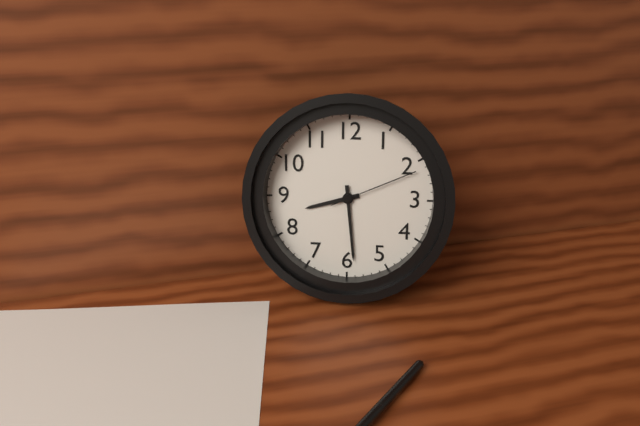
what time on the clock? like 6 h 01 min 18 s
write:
8 h 29 min 11 s
